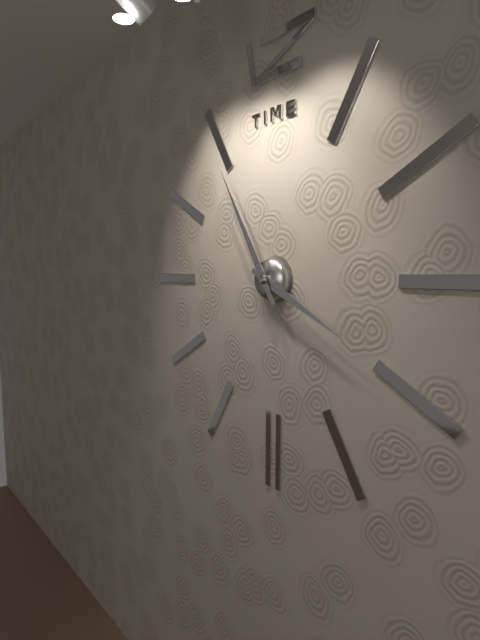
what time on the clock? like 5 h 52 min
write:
3 h 55 min
